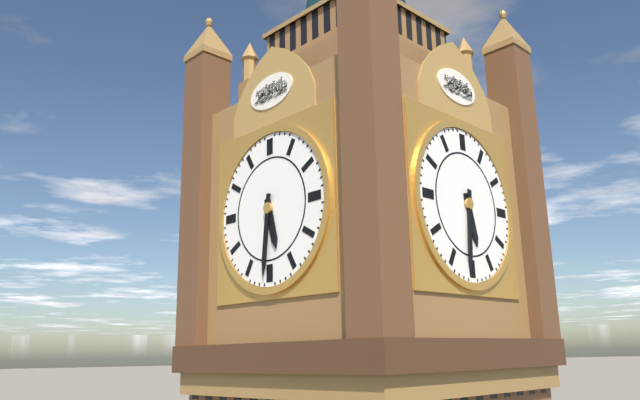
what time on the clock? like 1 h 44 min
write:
5 h 31 min
